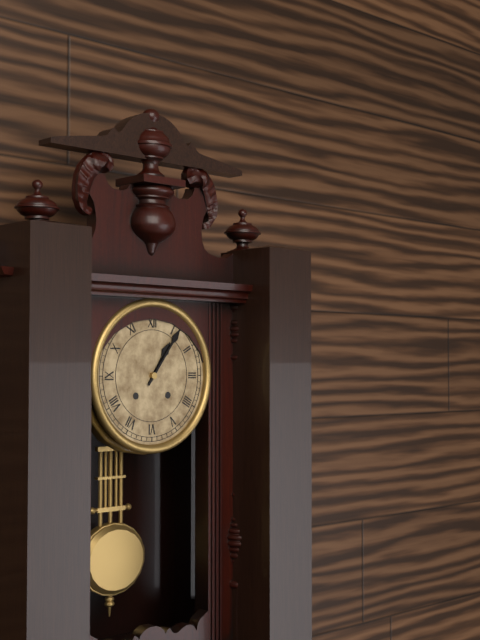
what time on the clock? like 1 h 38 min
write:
1 h 06 min
